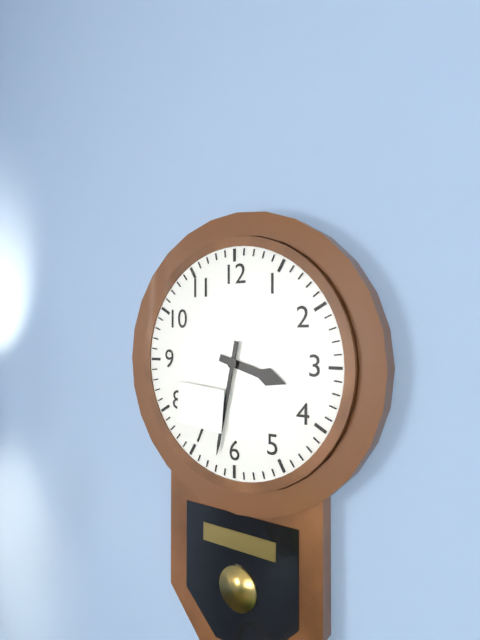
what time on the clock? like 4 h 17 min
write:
3 h 32 min
